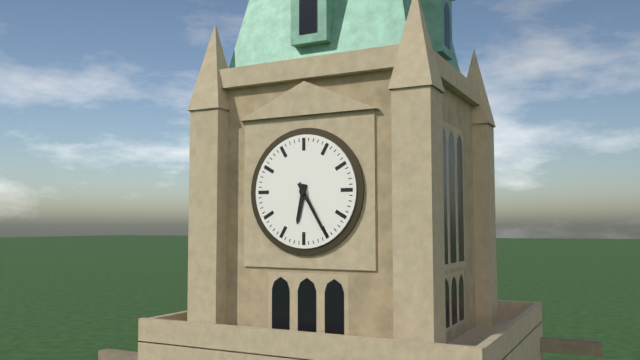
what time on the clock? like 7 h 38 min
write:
6 h 25 min
